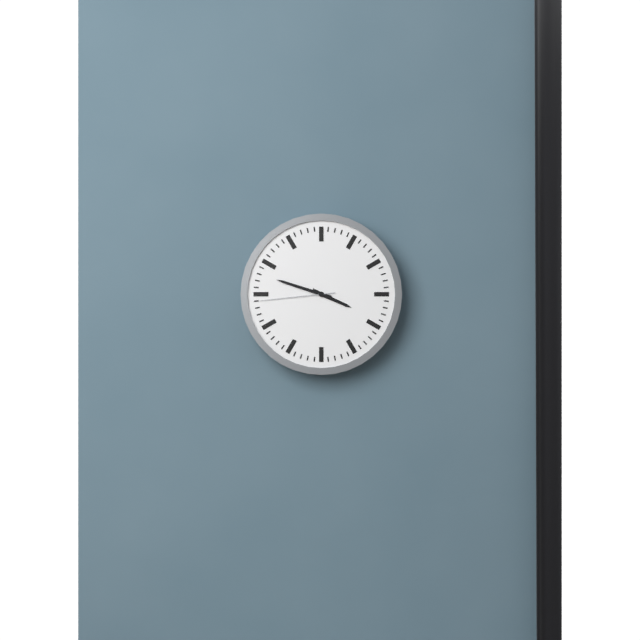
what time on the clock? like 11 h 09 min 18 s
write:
3 h 48 min 44 s
